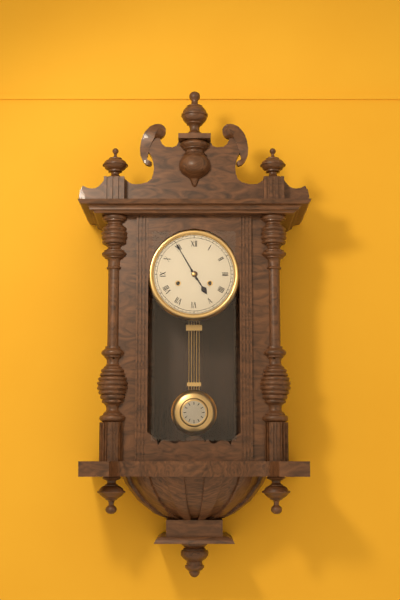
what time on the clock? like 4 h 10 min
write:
4 h 55 min
